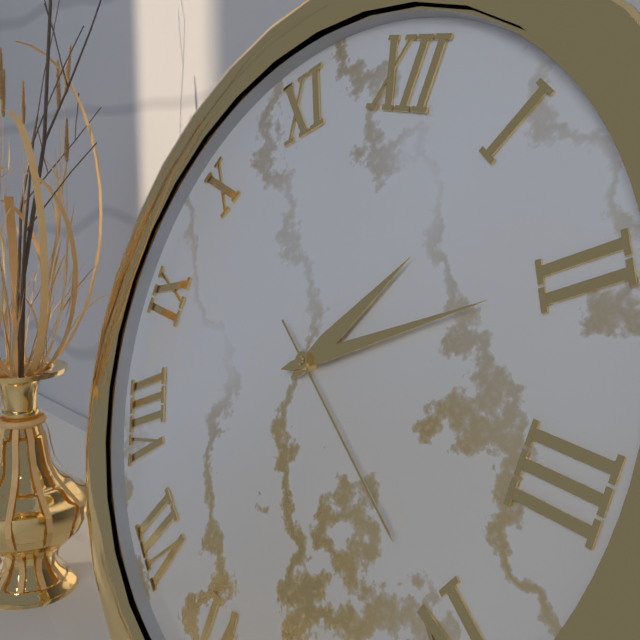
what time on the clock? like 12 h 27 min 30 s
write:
1 h 10 min 20 s
